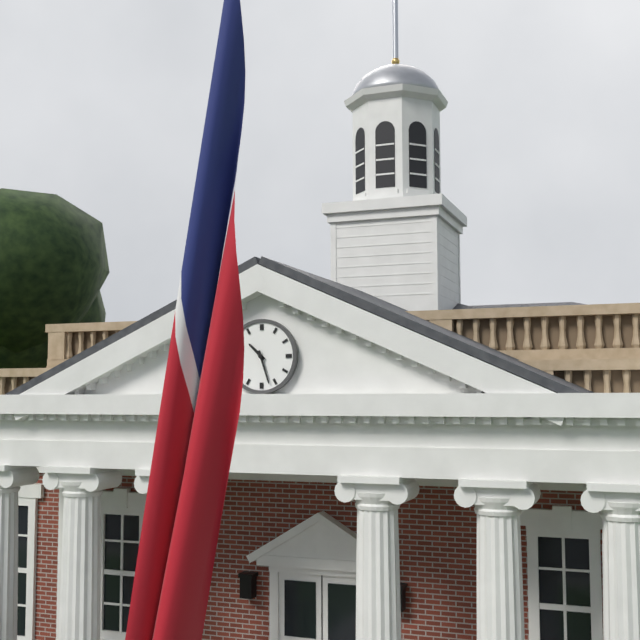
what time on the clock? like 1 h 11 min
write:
10 h 27 min
